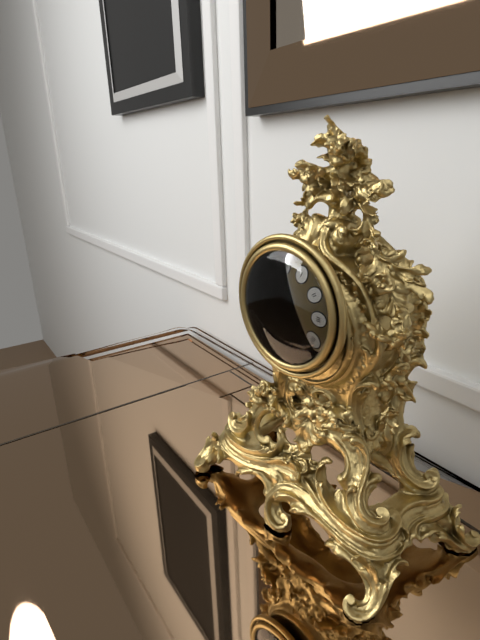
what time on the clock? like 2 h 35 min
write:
9 h 27 min
